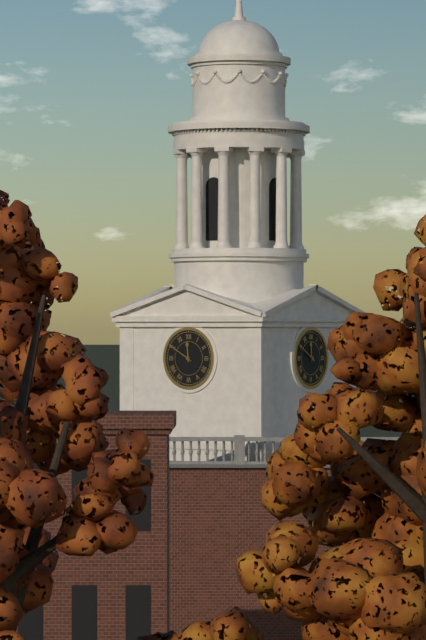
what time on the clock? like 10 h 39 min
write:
11 h 50 min
